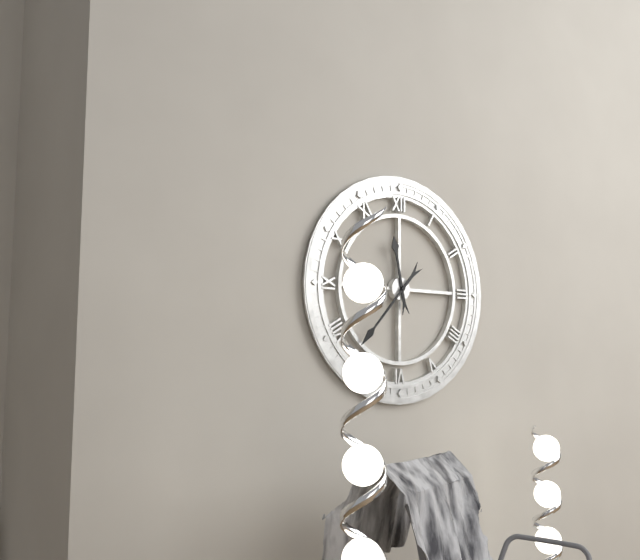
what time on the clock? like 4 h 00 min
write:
11 h 37 min
